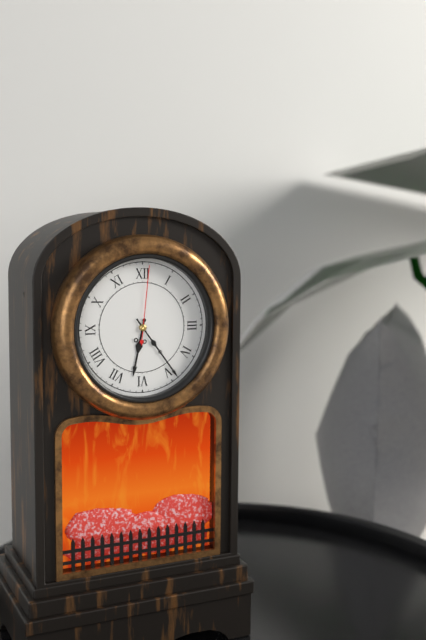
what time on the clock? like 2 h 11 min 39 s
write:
6 h 24 min 01 s
